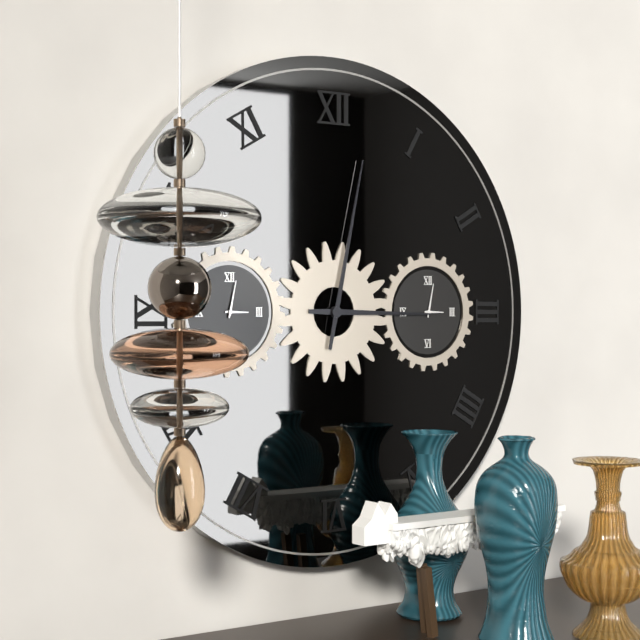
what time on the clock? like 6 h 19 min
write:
3 h 02 min
